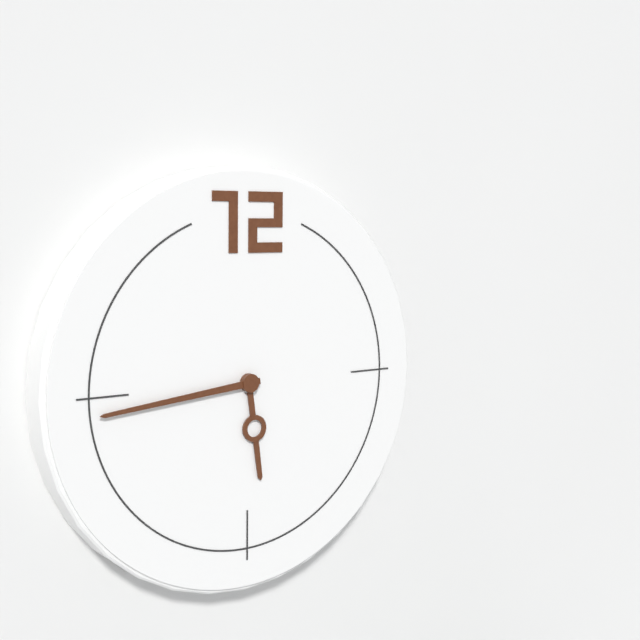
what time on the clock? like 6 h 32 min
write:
5 h 44 min
